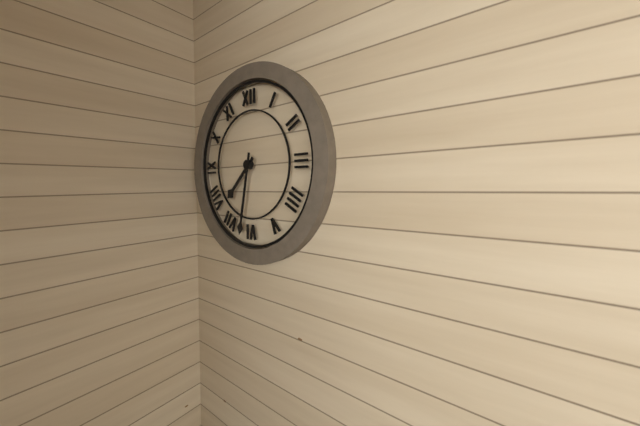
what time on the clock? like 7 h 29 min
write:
7 h 32 min
